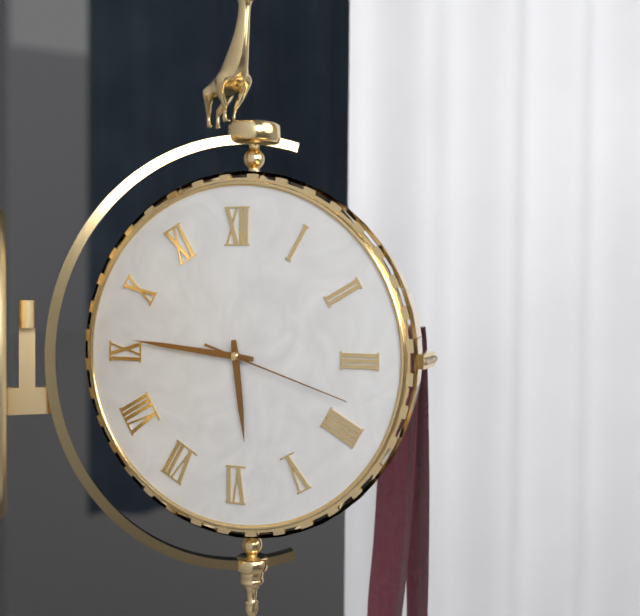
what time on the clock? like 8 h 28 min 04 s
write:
5 h 46 min 18 s
